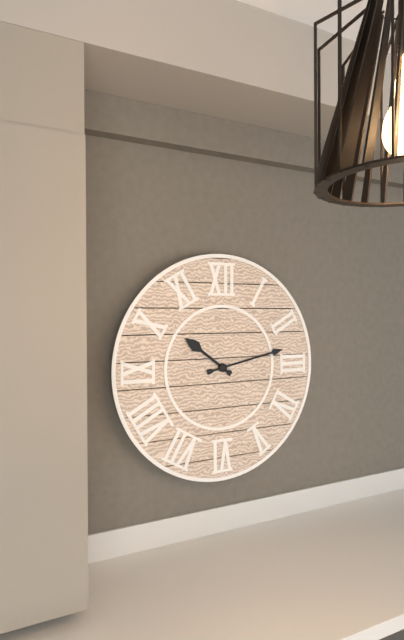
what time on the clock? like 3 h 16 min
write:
10 h 13 min
